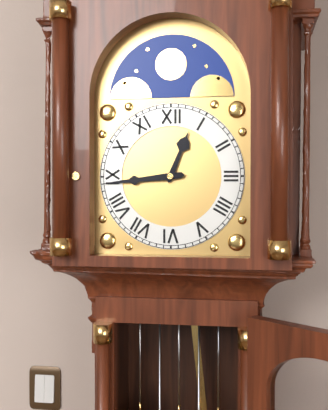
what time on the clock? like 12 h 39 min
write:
12 h 44 min
